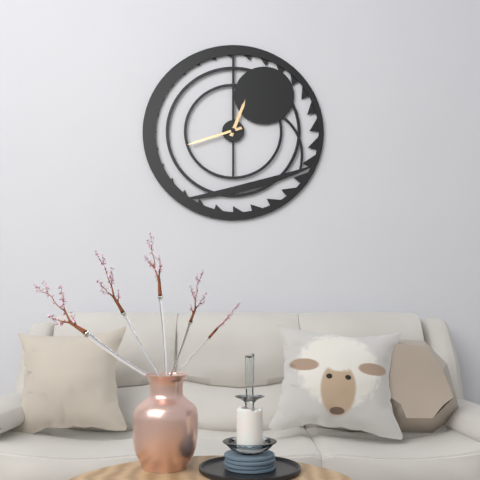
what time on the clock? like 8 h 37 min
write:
12 h 42 min
